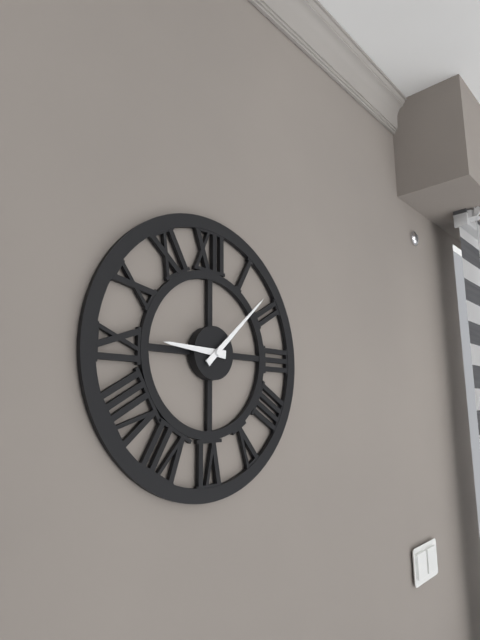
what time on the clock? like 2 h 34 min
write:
9 h 08 min
